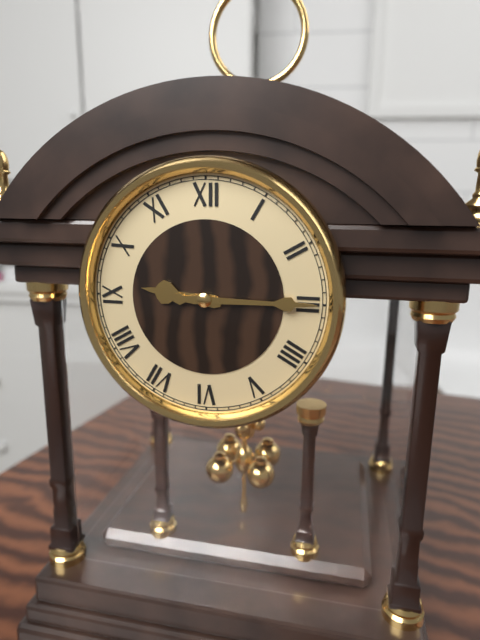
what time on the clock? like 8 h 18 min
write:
9 h 15 min
